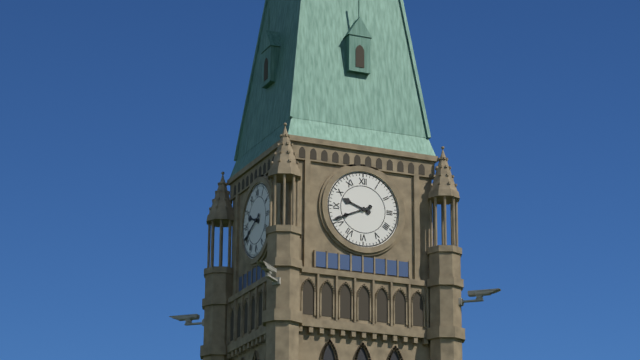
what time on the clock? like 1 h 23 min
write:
9 h 41 min
